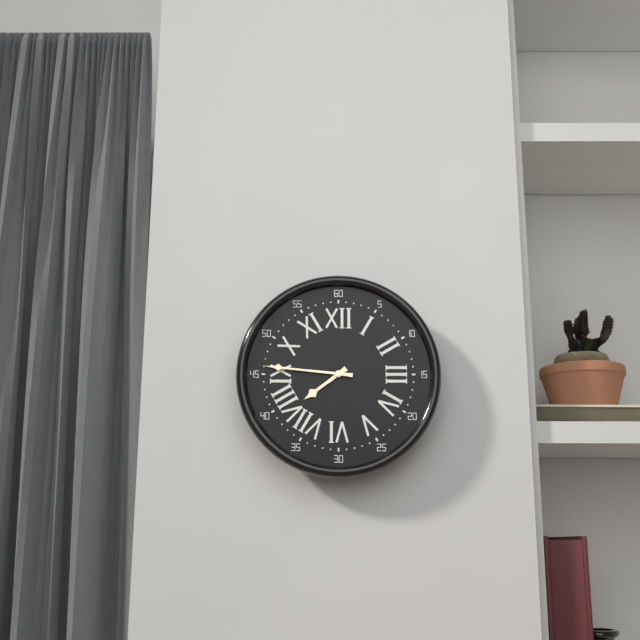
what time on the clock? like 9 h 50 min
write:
7 h 46 min
